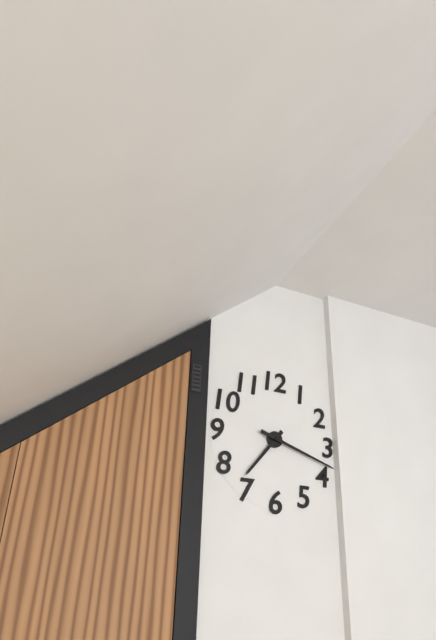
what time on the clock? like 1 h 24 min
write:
7 h 18 min
